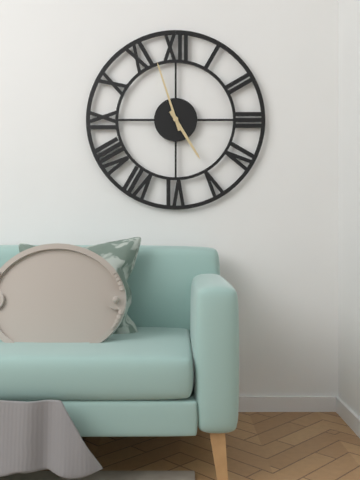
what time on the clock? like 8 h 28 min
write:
4 h 57 min
